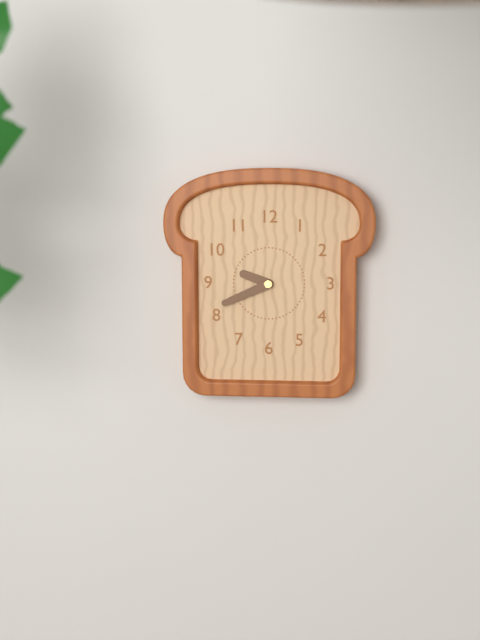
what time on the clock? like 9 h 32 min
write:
9 h 41 min
